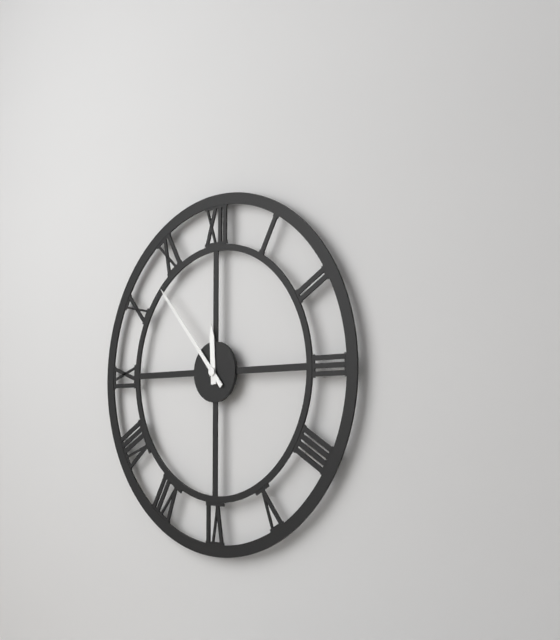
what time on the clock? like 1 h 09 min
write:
11 h 53 min
